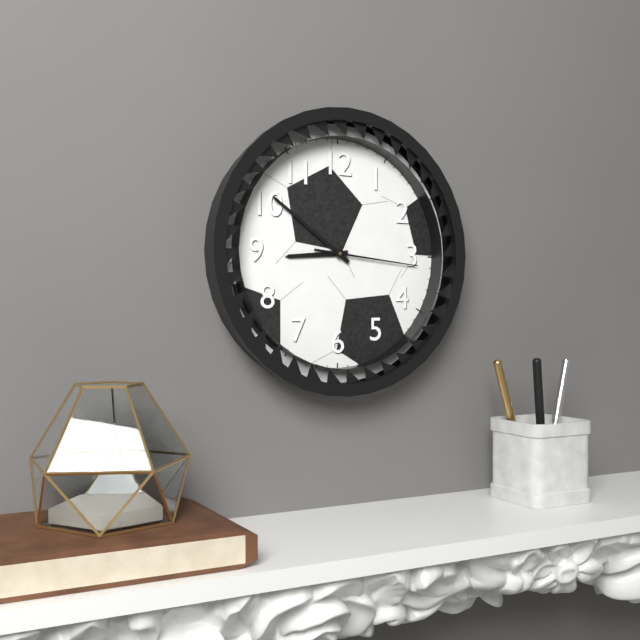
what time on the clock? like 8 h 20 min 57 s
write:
8 h 51 min 16 s
